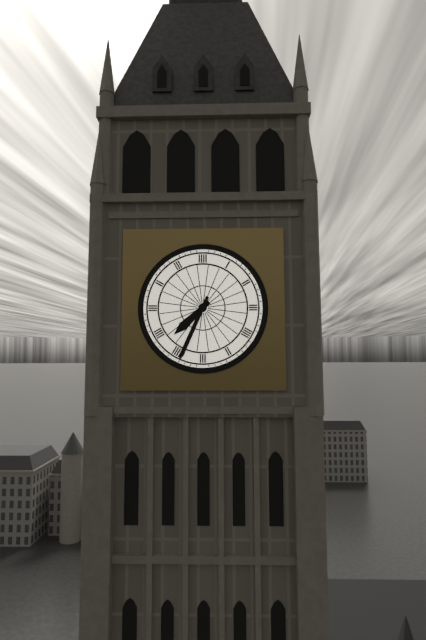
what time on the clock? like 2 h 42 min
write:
7 h 34 min
